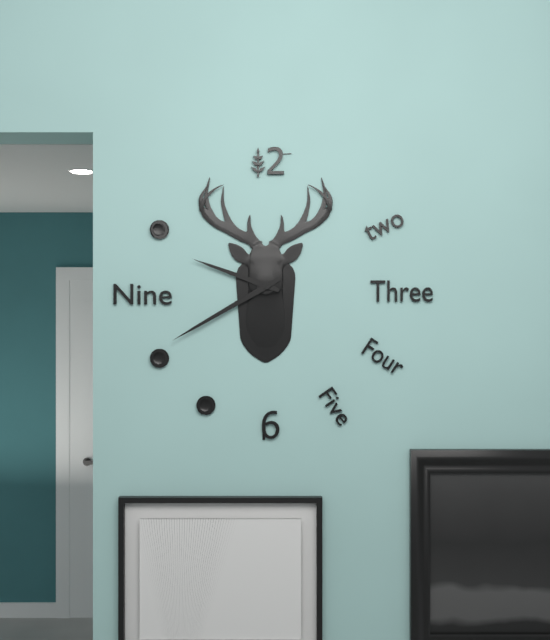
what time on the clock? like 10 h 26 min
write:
9 h 40 min
